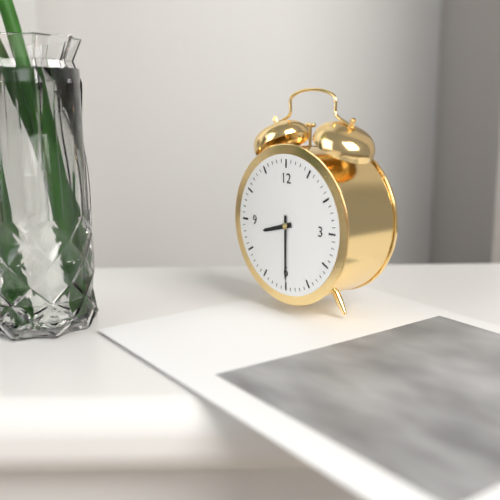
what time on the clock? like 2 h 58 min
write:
8 h 30 min
